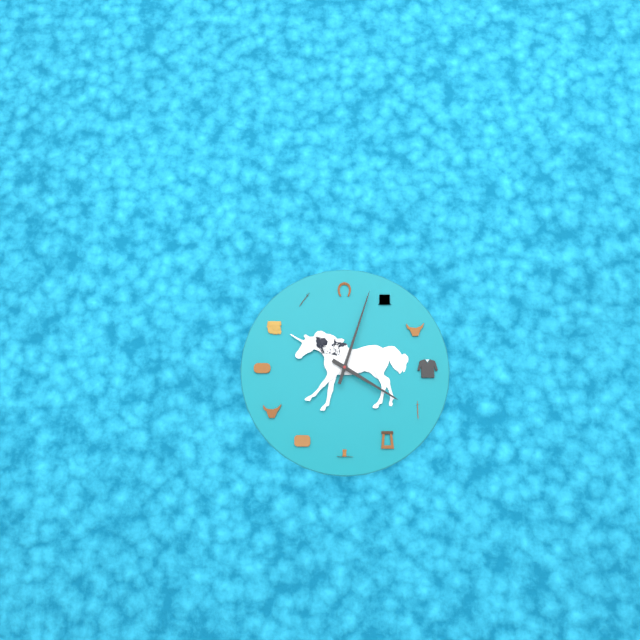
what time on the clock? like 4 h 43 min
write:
4 h 03 min
